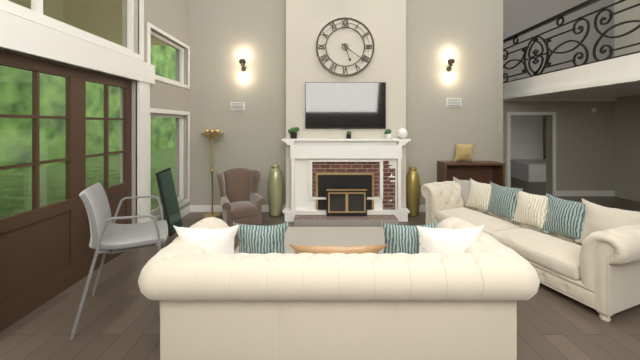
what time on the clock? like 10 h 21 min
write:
5 h 21 min
